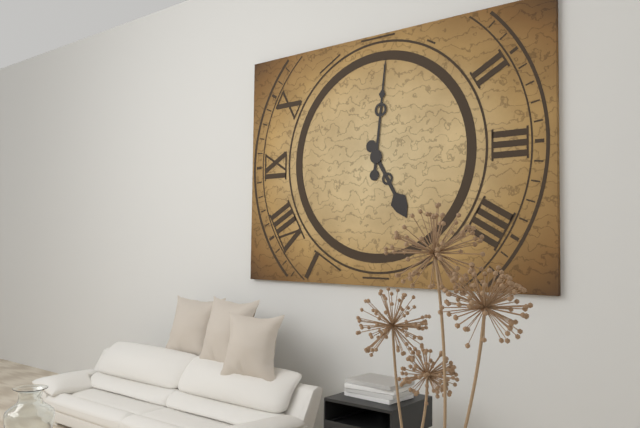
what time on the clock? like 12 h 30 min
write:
5 h 01 min
